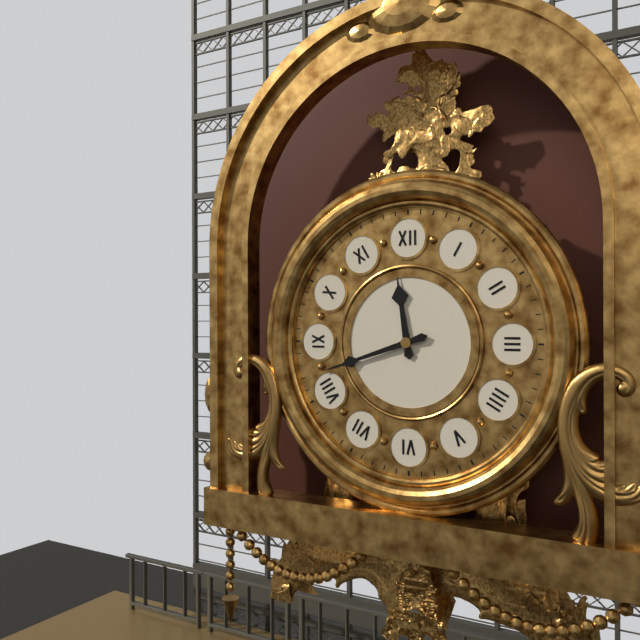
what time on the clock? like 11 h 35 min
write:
11 h 42 min
